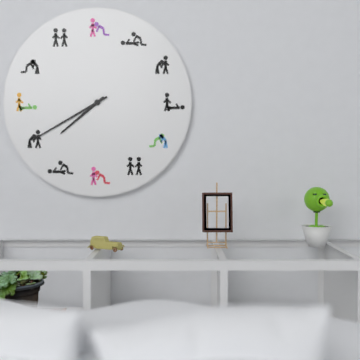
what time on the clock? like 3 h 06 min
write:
7 h 40 min
